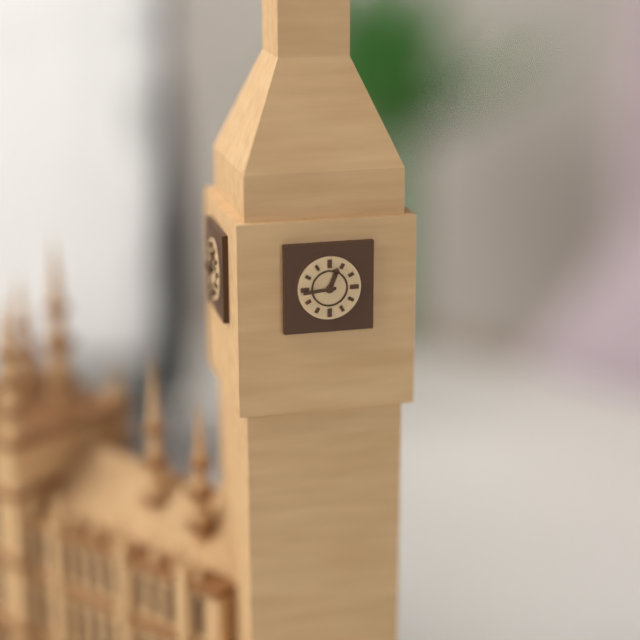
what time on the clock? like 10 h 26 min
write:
12 h 44 min
